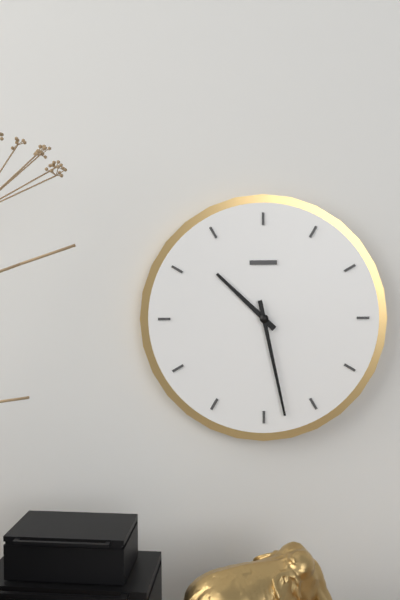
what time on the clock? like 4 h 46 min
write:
10 h 28 min
